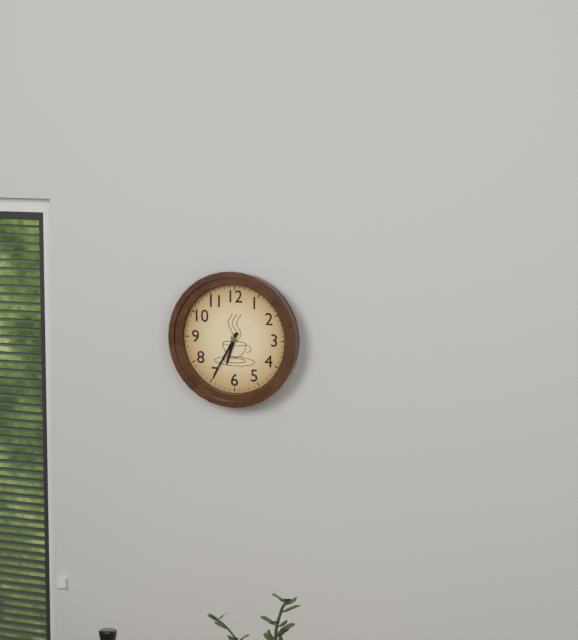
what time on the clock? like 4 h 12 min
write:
6 h 35 min
